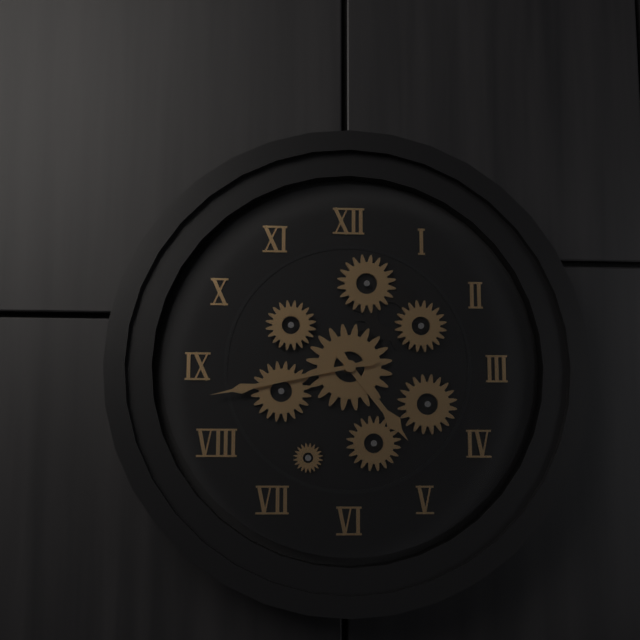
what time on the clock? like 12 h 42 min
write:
4 h 43 min
